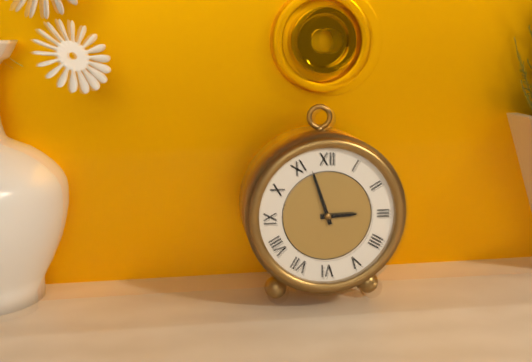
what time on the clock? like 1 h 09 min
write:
2 h 57 min
